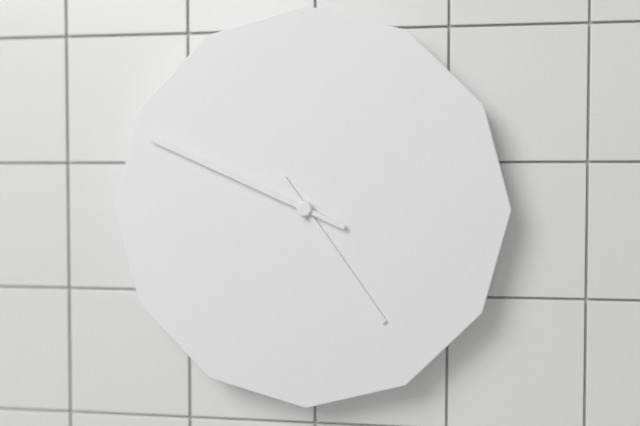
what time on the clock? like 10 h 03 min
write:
4 h 49 min
